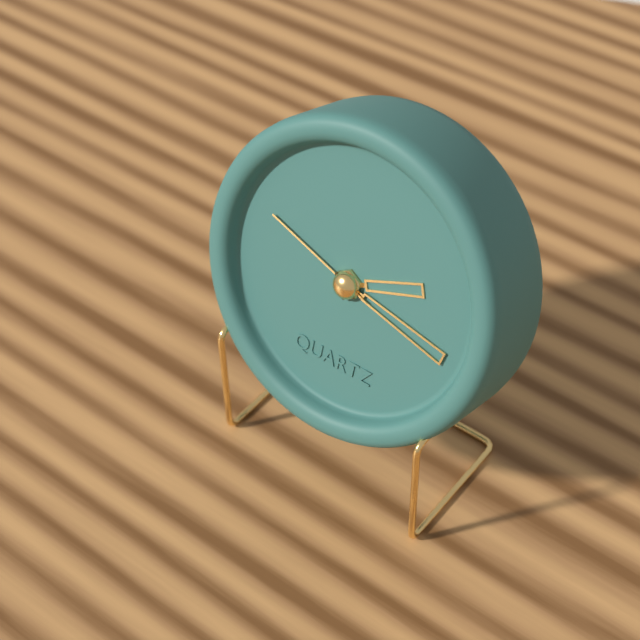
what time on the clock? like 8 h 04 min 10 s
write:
2 h 17 min 48 s
